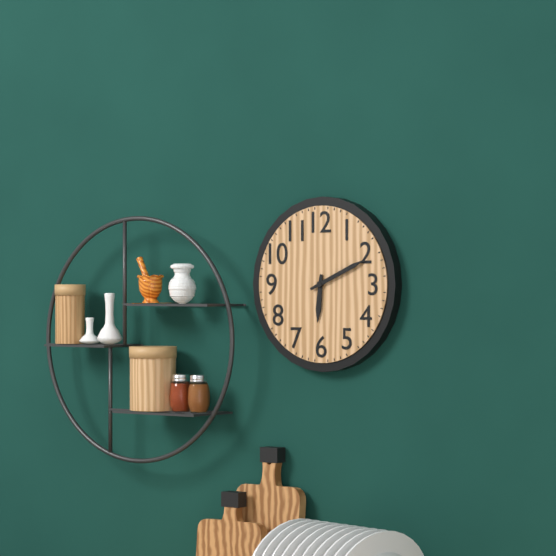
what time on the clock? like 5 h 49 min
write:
6 h 11 min
